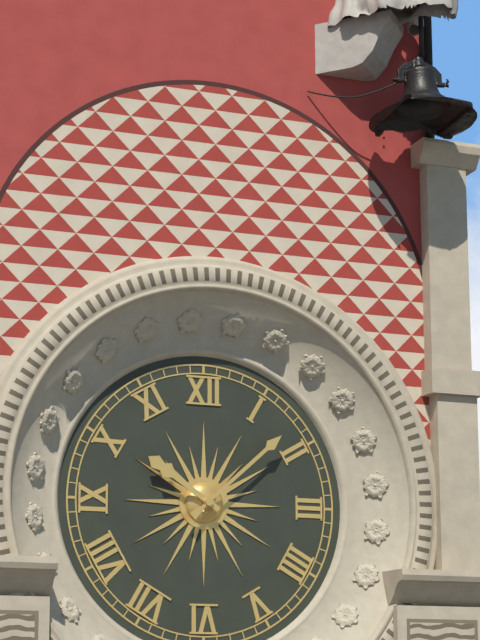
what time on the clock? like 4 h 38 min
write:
10 h 08 min
